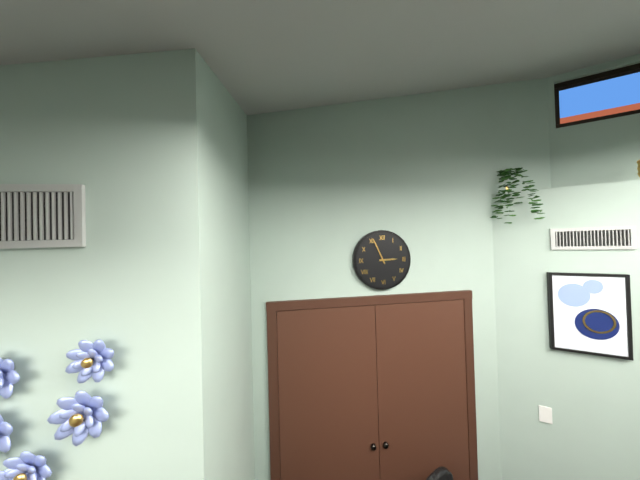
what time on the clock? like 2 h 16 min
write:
2 h 56 min
